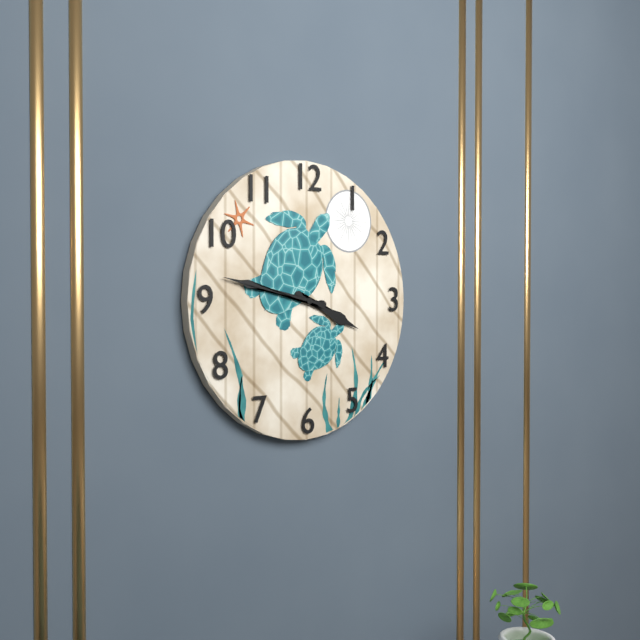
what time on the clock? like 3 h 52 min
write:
3 h 47 min
